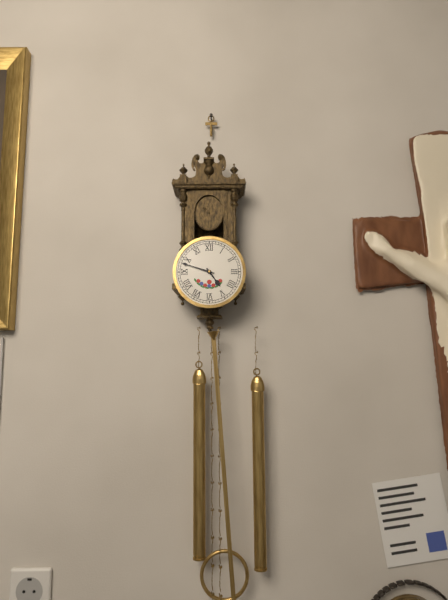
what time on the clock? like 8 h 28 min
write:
4 h 48 min
